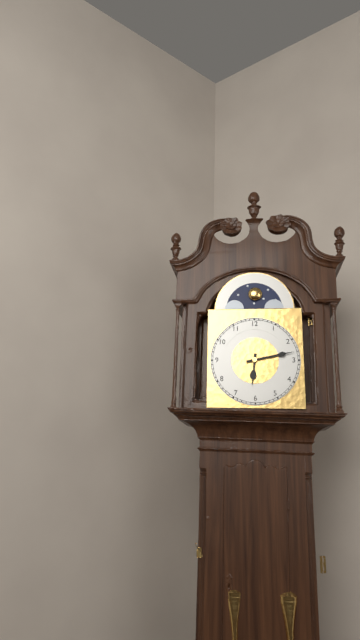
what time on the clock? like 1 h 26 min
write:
6 h 13 min
